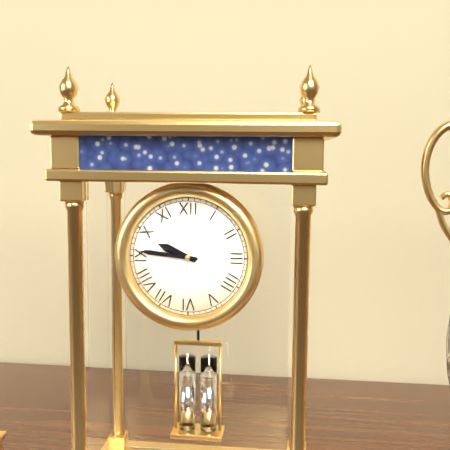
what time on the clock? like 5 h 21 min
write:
9 h 46 min
